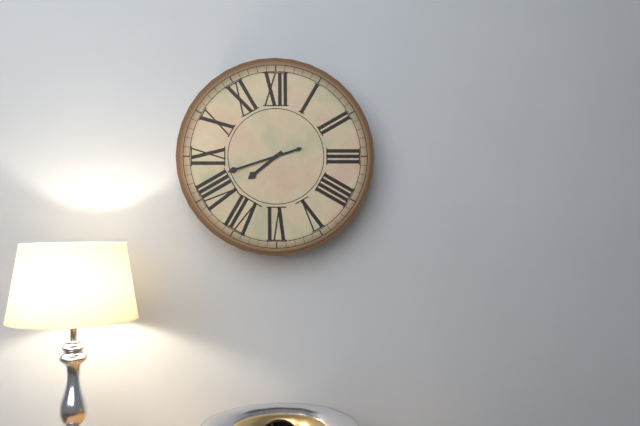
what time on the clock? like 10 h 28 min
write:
7 h 42 min
